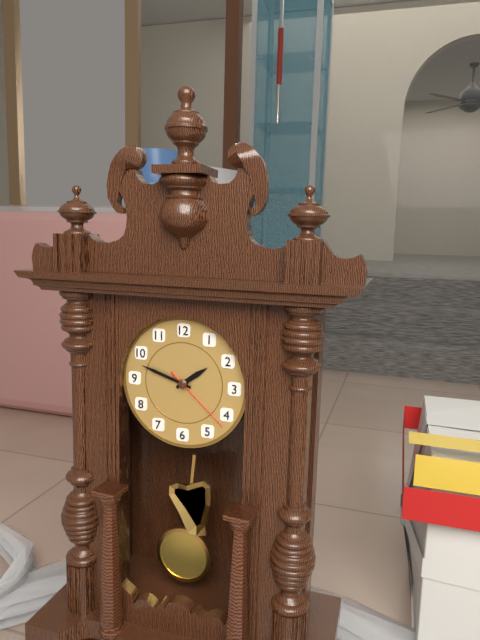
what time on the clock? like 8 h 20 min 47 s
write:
1 h 48 min 22 s
